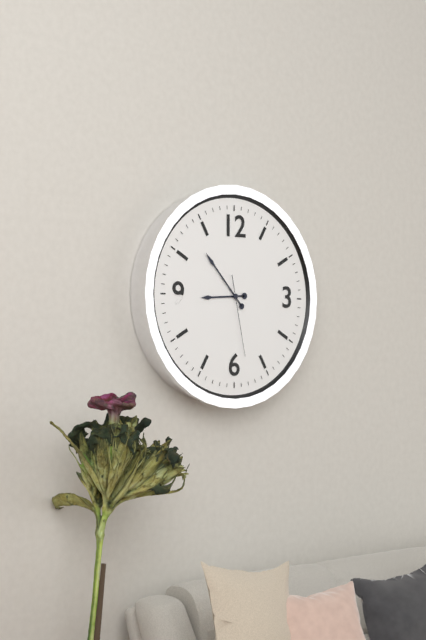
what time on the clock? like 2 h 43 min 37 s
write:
8 h 53 min 28 s
